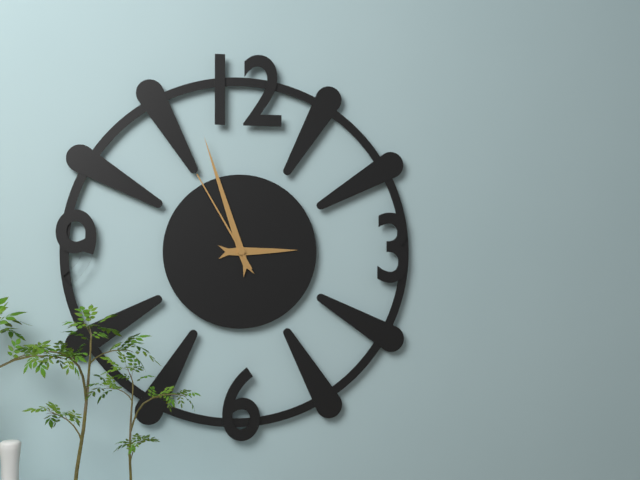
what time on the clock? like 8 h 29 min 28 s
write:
2 h 57 min 55 s
